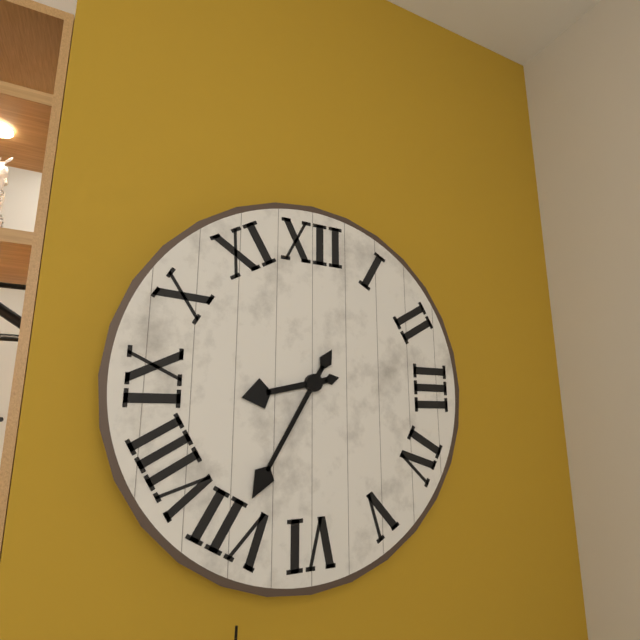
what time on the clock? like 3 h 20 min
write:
8 h 35 min
